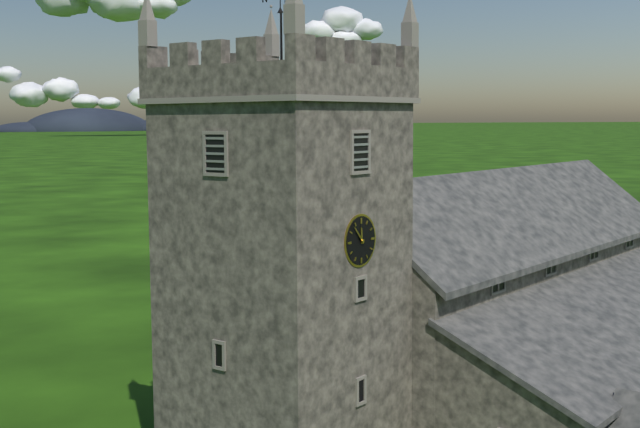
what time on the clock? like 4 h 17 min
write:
11 h 53 min
